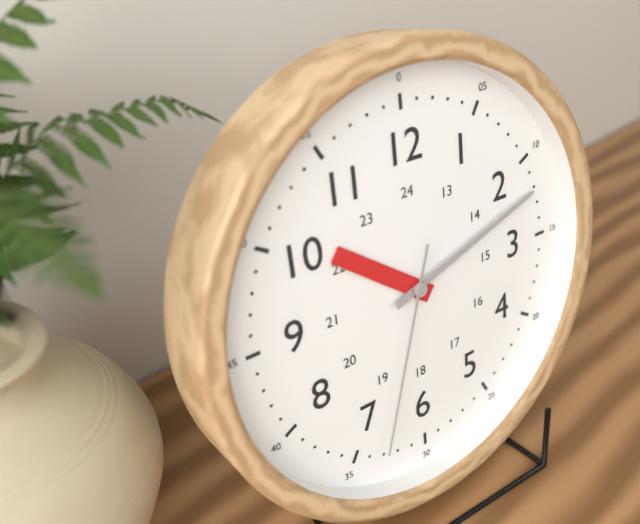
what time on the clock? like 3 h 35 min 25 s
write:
10 h 12 min 33 s
